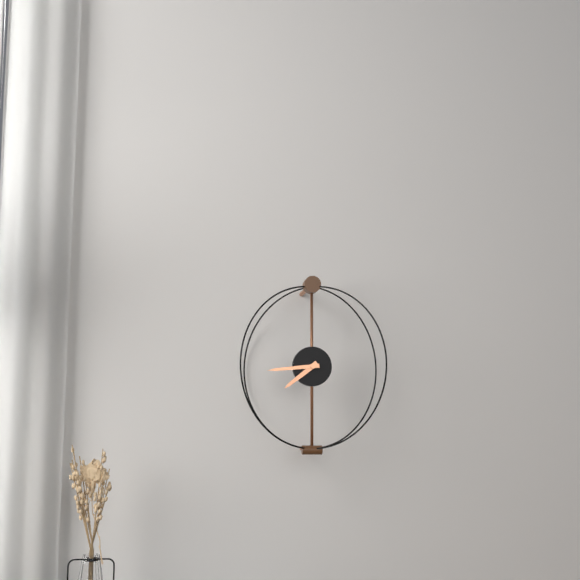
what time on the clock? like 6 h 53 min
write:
7 h 44 min
